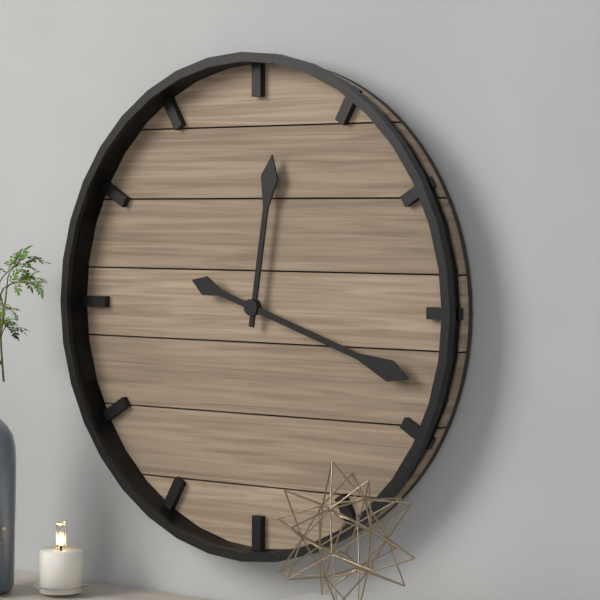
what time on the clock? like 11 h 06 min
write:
12 h 18 min
